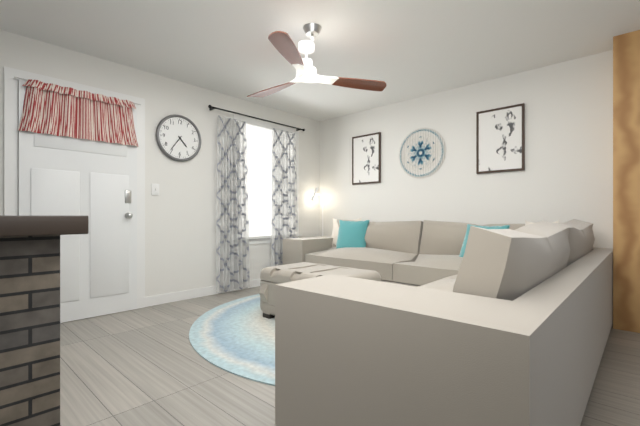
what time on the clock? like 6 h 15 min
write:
4 h 36 min
